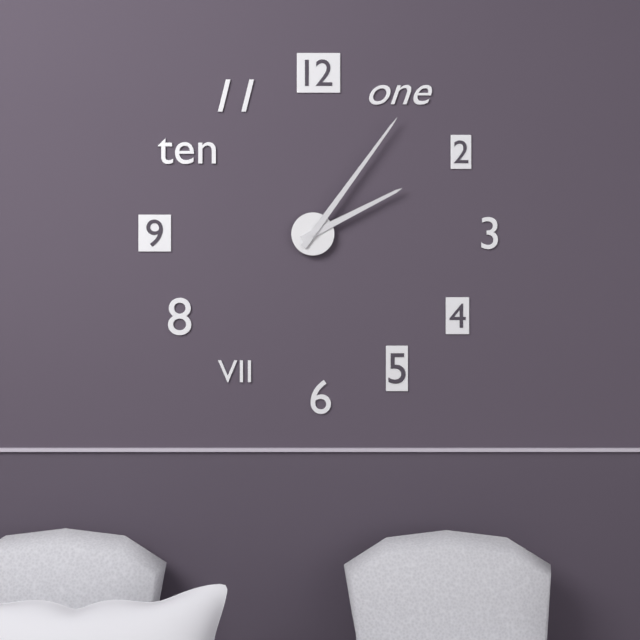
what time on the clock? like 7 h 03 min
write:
2 h 06 min
